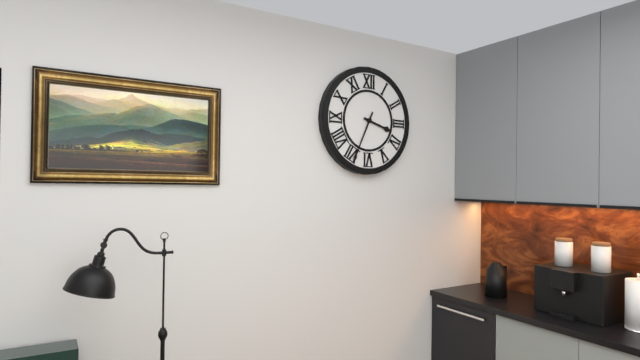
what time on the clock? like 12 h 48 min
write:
3 h 34 min
